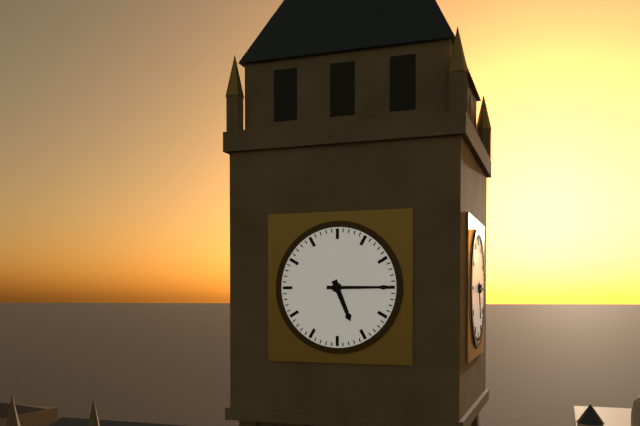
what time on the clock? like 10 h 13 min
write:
5 h 15 min
